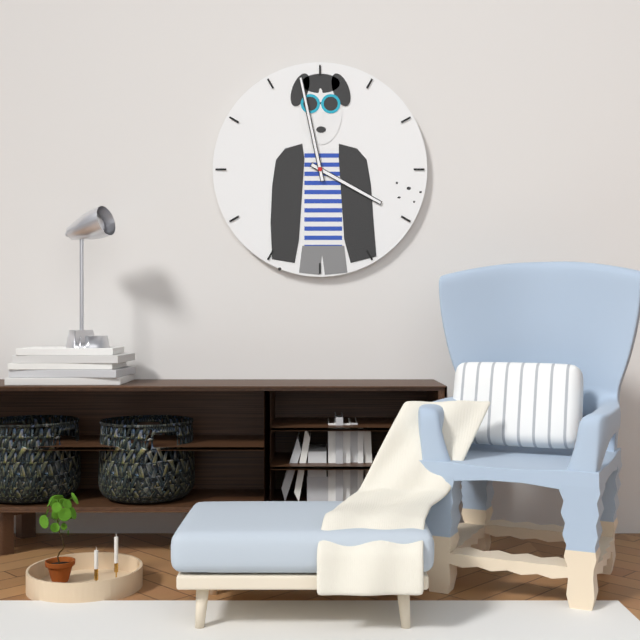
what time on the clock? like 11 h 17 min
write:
3 h 58 min
